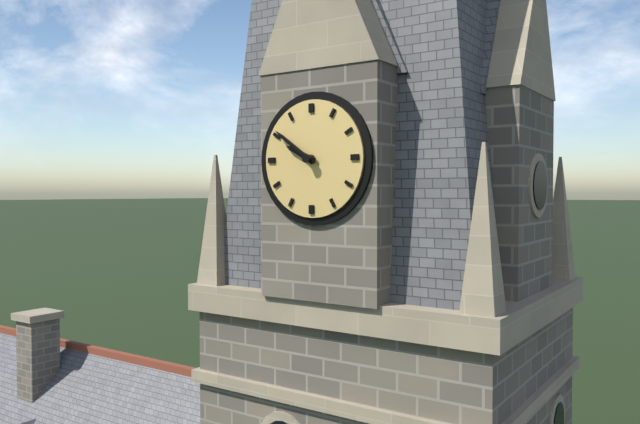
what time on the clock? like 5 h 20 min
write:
9 h 51 min
